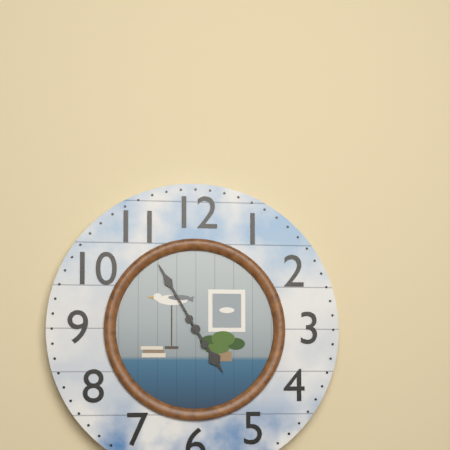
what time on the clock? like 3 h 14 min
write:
4 h 55 min
